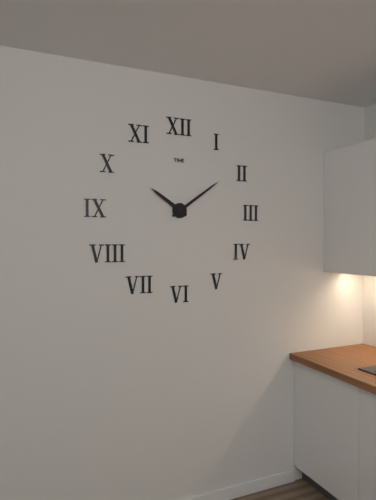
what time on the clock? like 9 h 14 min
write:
10 h 09 min
